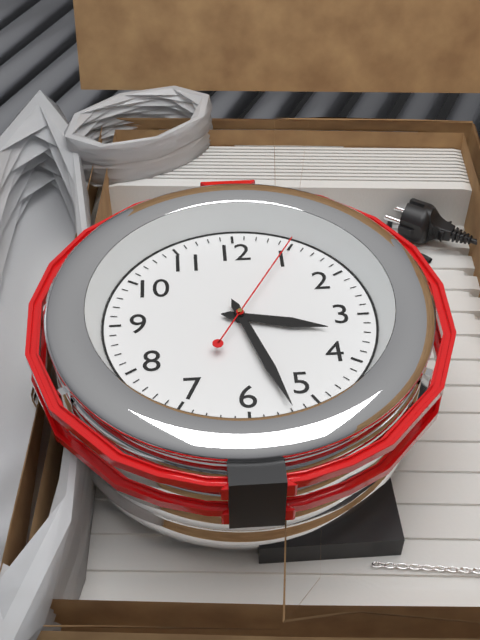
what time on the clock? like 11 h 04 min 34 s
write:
3 h 27 min 05 s
